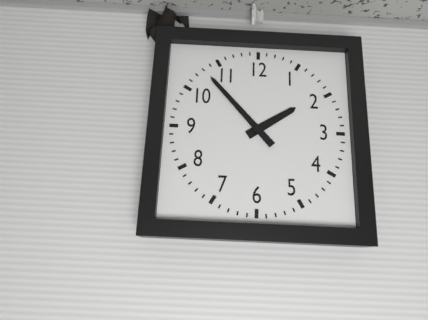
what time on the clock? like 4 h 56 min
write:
1 h 53 min
